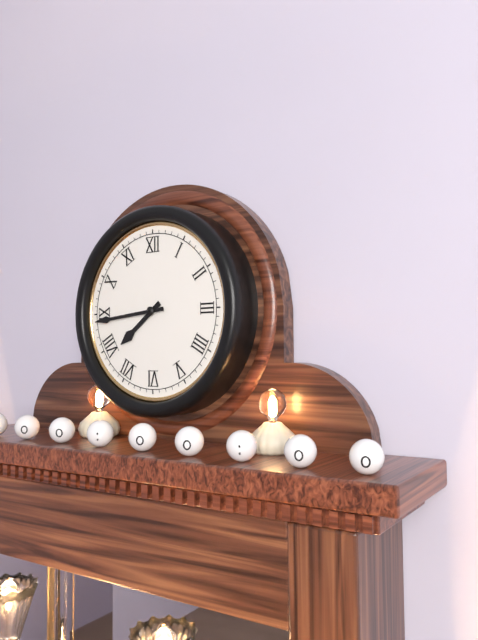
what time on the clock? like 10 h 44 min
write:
7 h 44 min
